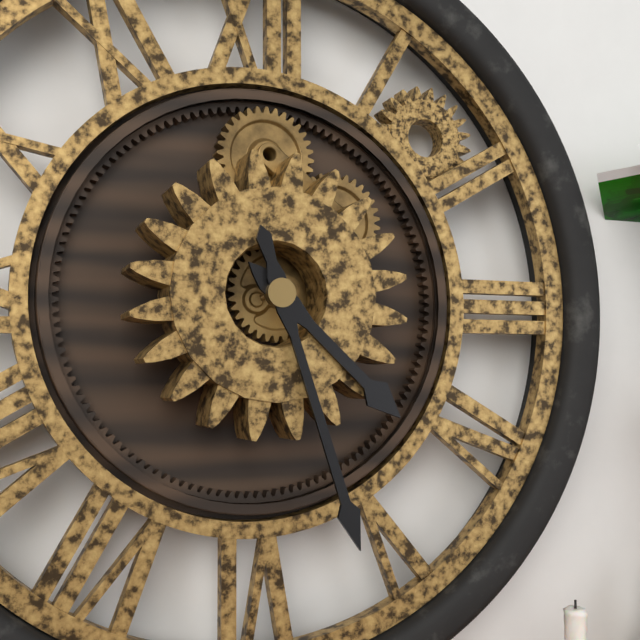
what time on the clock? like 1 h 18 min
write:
4 h 27 min
